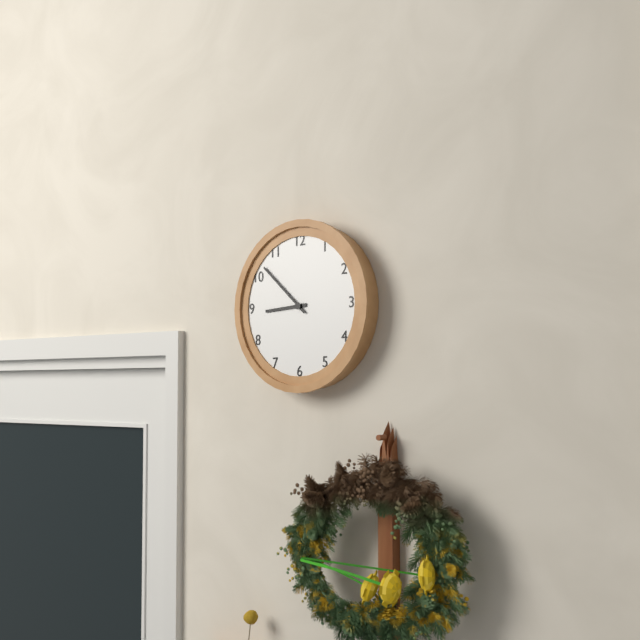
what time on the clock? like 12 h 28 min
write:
8 h 52 min
